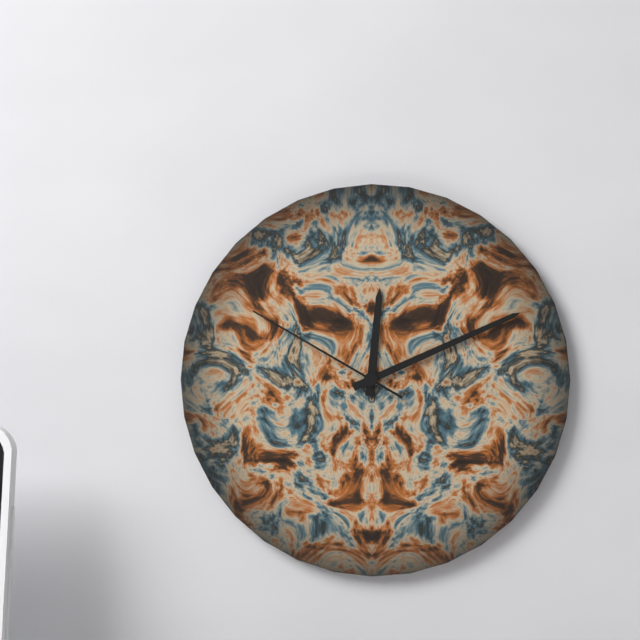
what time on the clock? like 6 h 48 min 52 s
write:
12 h 11 min 50 s
